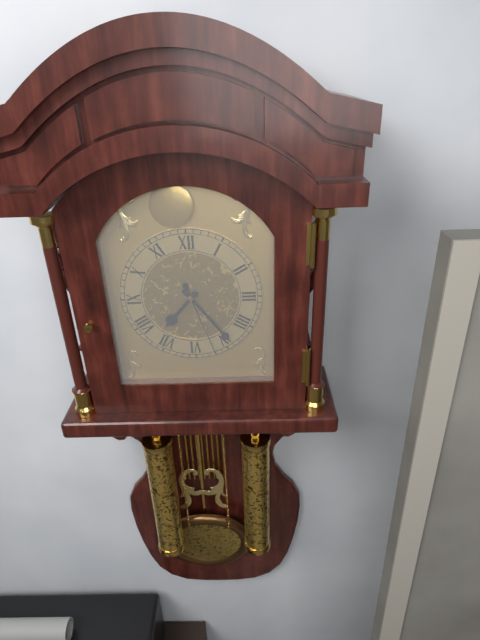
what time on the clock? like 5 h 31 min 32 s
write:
7 h 24 min 27 s
